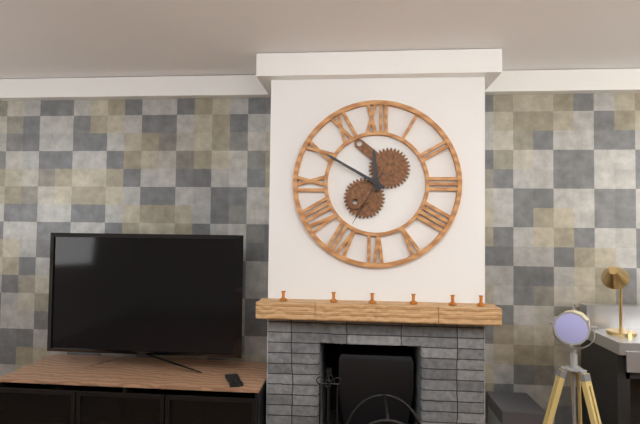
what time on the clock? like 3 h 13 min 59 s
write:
11 h 50 min 35 s
